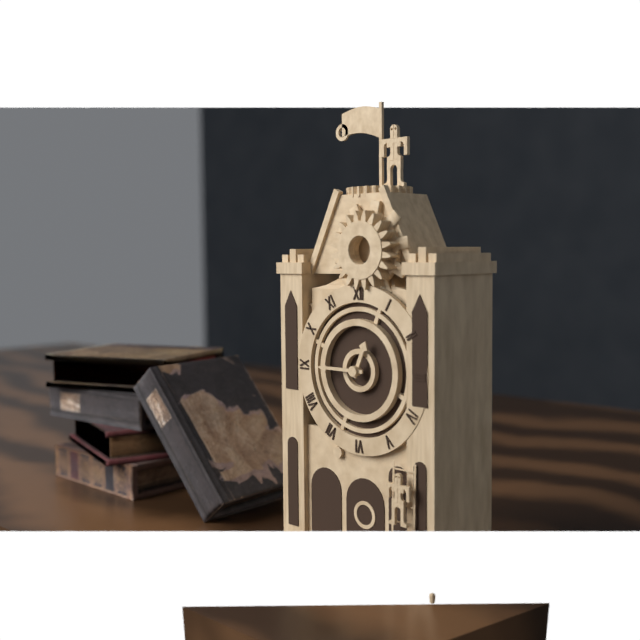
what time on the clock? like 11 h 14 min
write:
12 h 45 min
